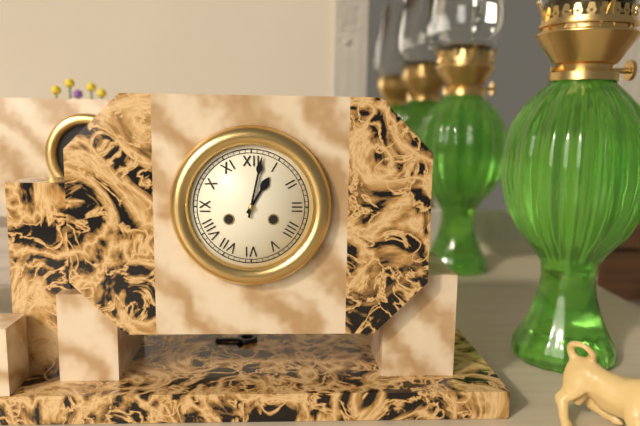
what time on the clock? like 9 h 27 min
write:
1 h 02 min
